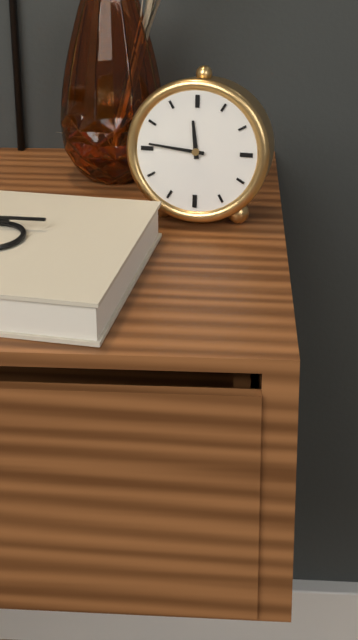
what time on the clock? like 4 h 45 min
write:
11 h 46 min
